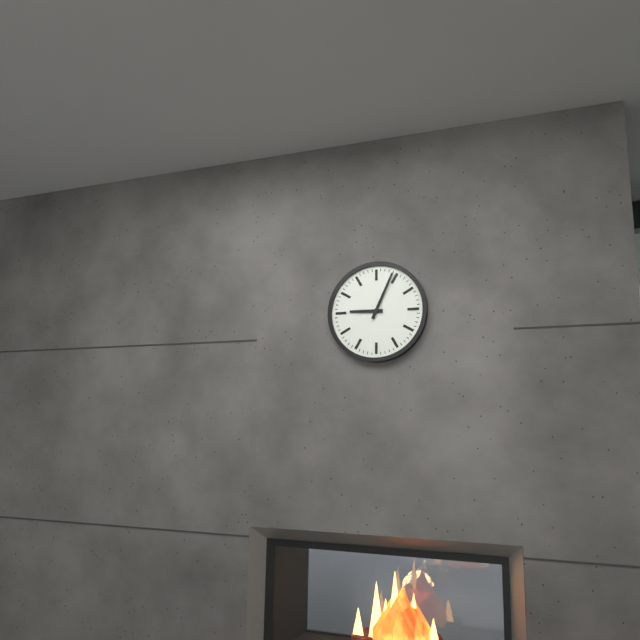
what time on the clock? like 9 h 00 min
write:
9 h 04 min
